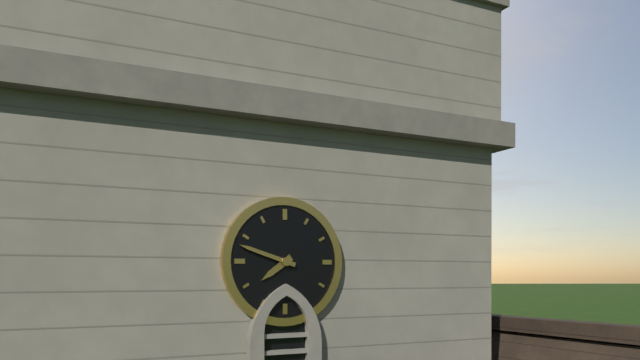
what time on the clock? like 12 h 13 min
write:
7 h 48 min
